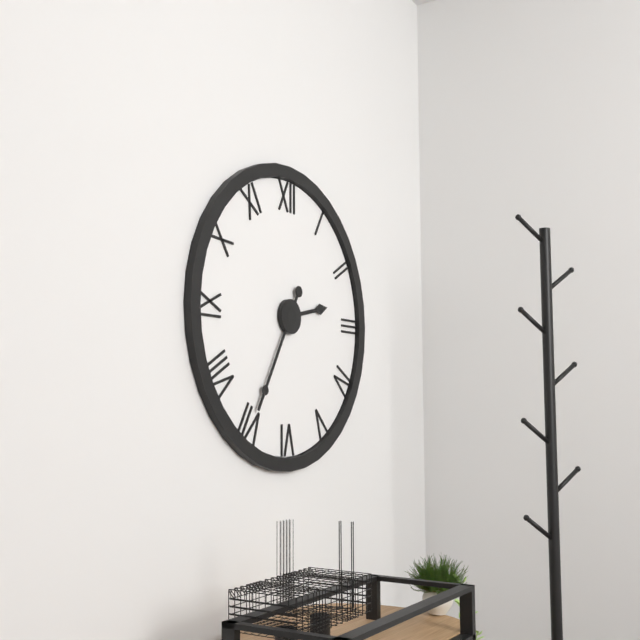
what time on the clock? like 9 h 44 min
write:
2 h 35 min
